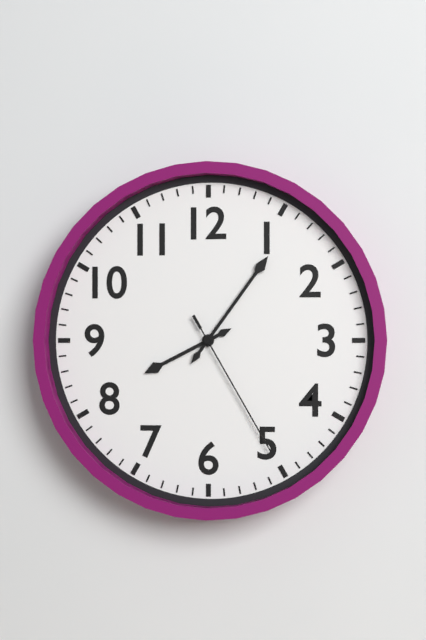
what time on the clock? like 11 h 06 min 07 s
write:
8 h 06 min 25 s
